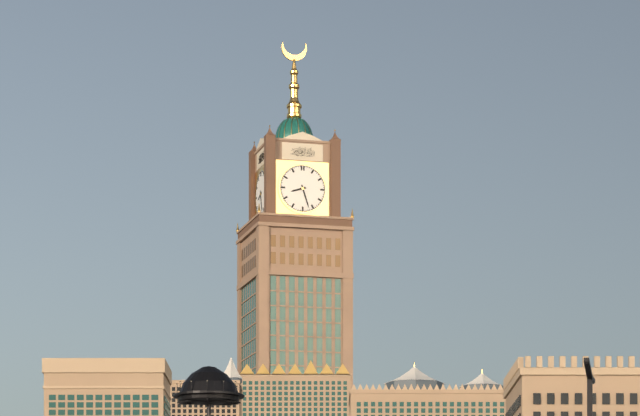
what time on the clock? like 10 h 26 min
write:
8 h 27 min
